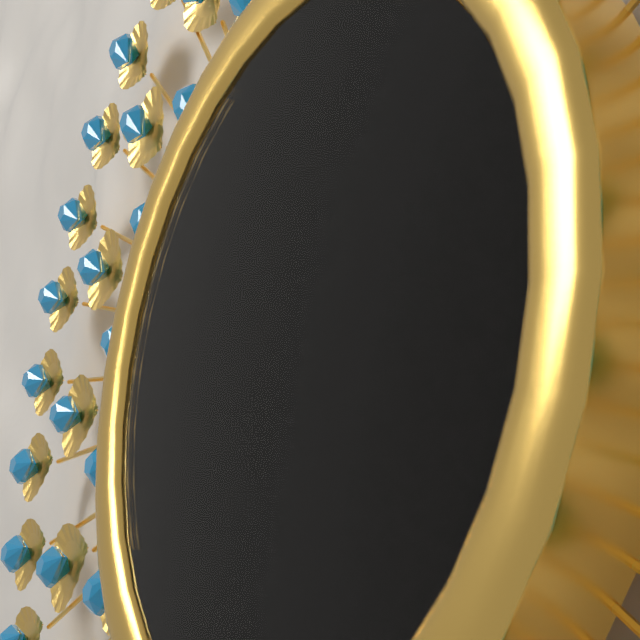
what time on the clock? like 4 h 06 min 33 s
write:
12 h 14 min 09 s
